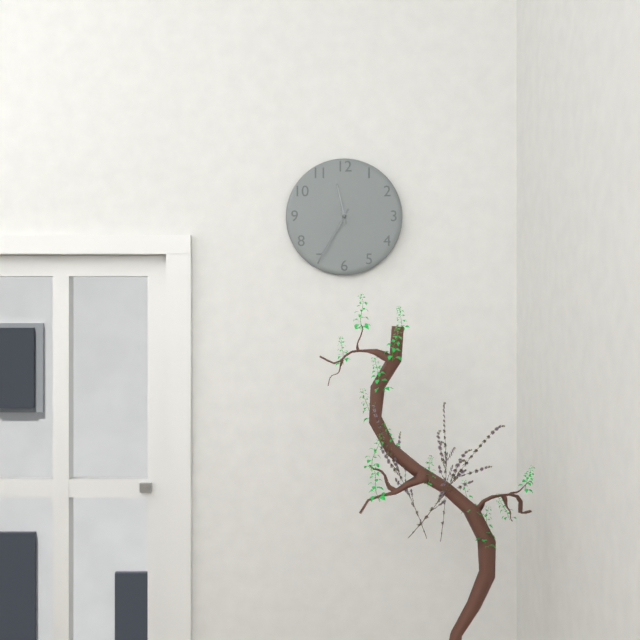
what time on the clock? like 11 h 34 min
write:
11 h 35 min
